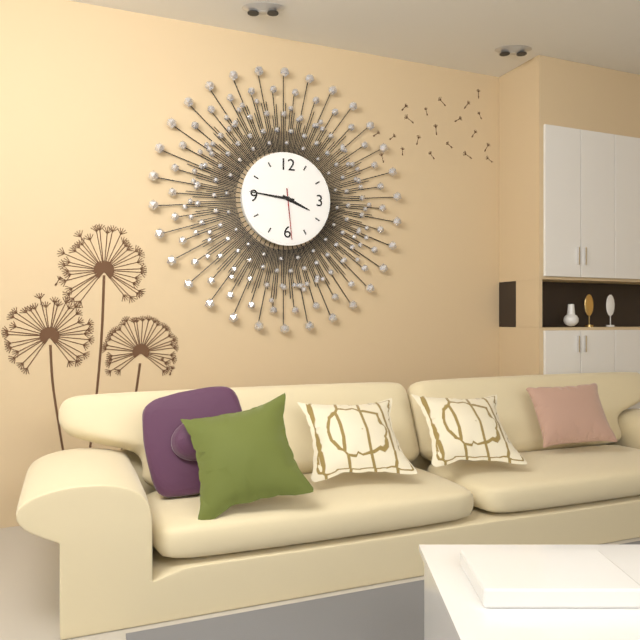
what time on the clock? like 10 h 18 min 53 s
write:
3 h 46 min 29 s
